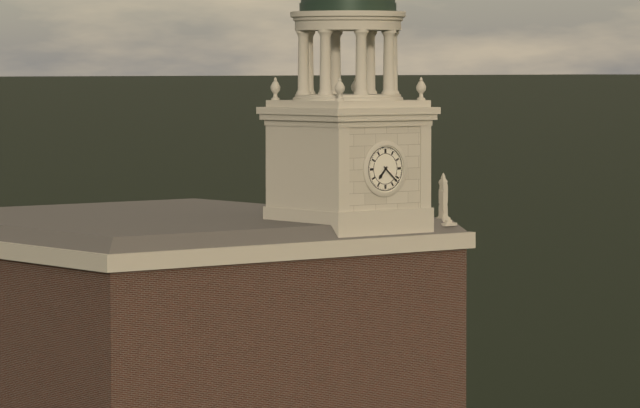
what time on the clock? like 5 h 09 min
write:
7 h 22 min
